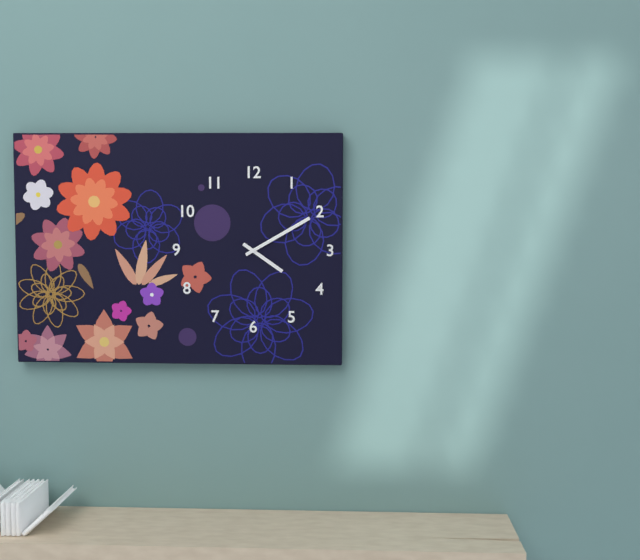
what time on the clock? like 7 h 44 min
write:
4 h 10 min
